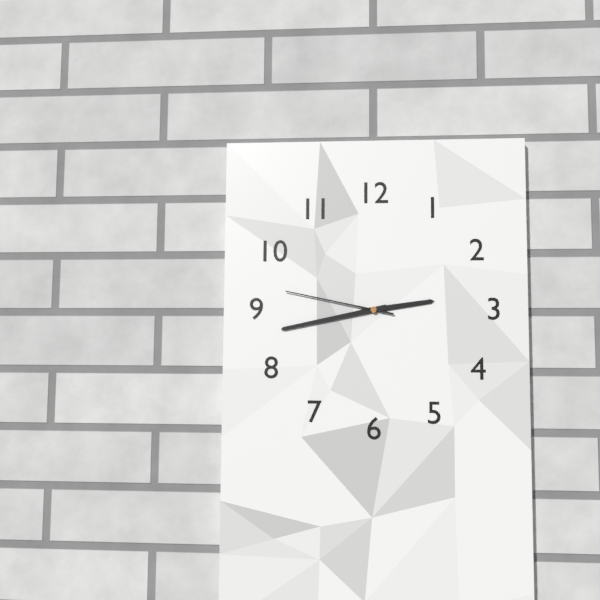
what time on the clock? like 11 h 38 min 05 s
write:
2 h 43 min 47 s
